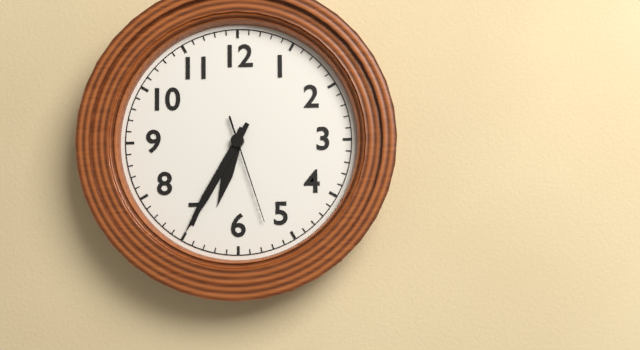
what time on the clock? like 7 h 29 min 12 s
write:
6 h 35 min 27 s
